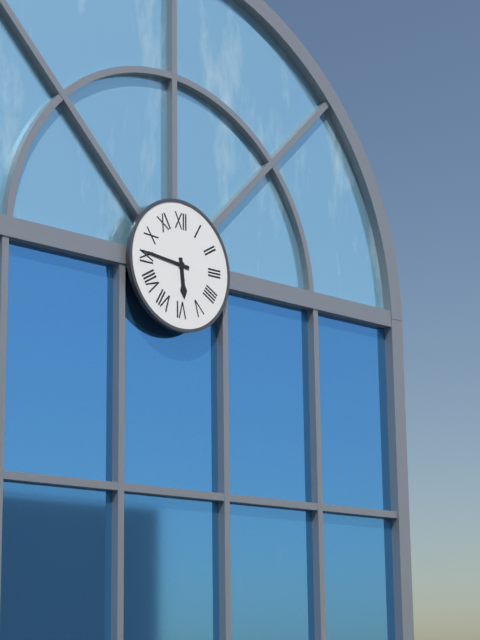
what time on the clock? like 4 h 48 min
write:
5 h 46 min
